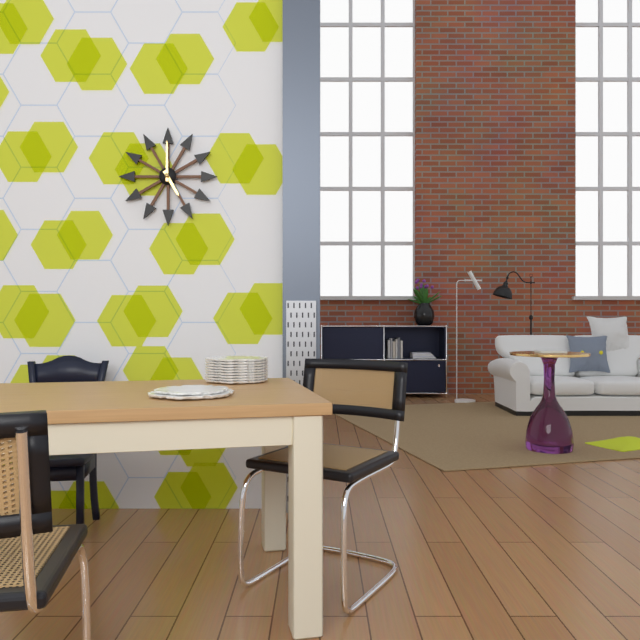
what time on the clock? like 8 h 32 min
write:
5 h 00 min
